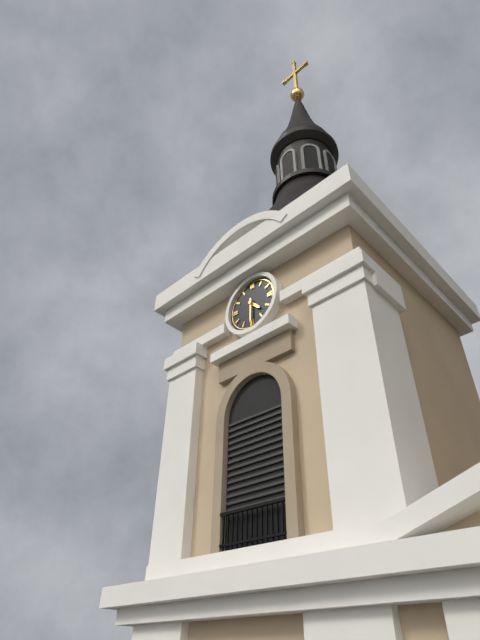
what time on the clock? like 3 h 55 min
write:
4 h 30 min
